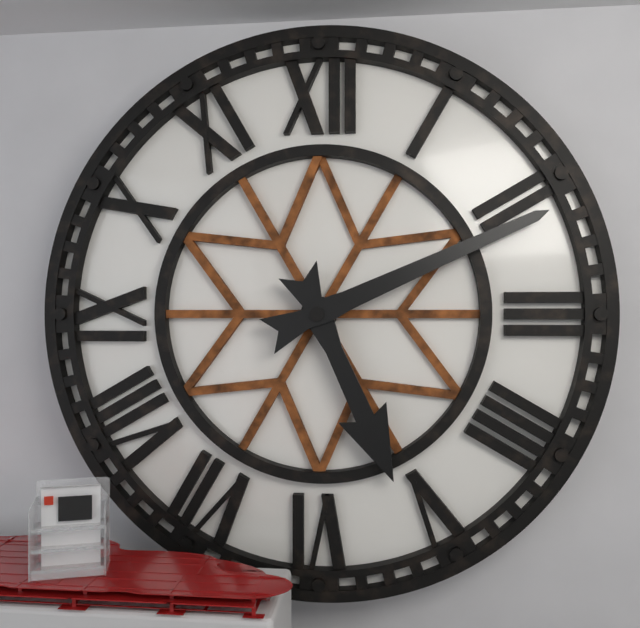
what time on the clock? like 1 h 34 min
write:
5 h 11 min
